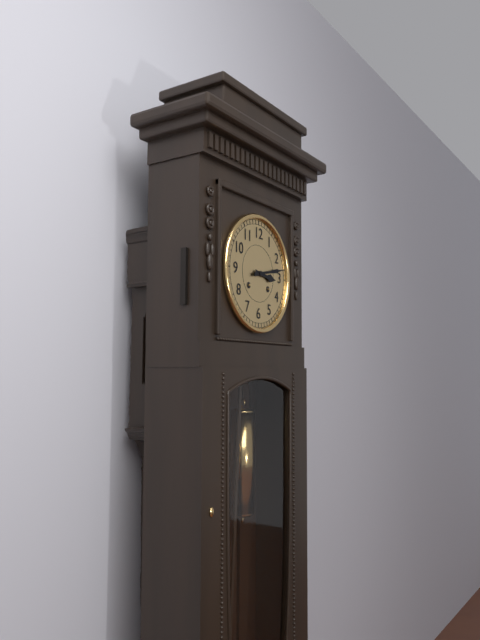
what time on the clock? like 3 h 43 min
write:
3 h 13 min
